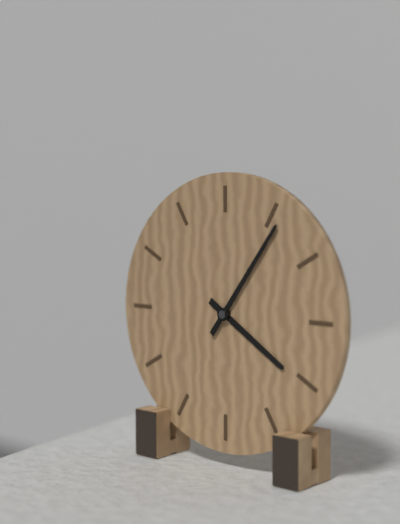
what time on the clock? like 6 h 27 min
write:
4 h 06 min
